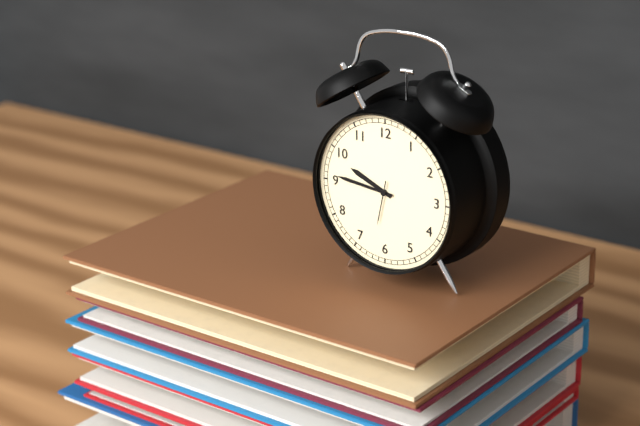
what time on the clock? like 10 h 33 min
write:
9 h 46 min
